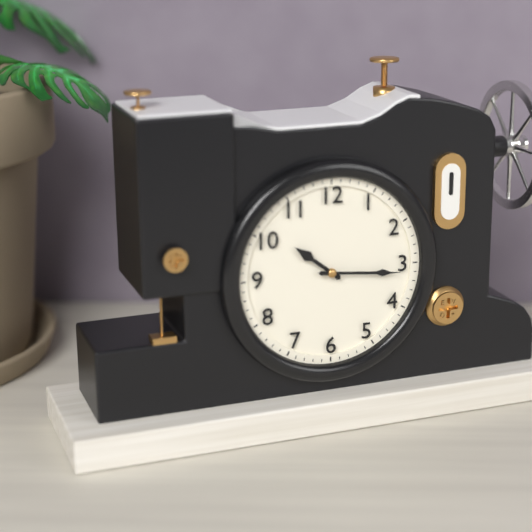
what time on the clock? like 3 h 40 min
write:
10 h 16 min
